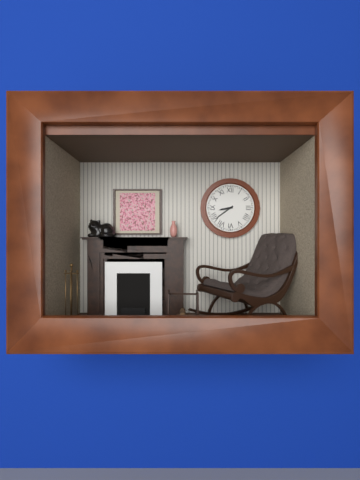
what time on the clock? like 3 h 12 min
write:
8 h 39 min
